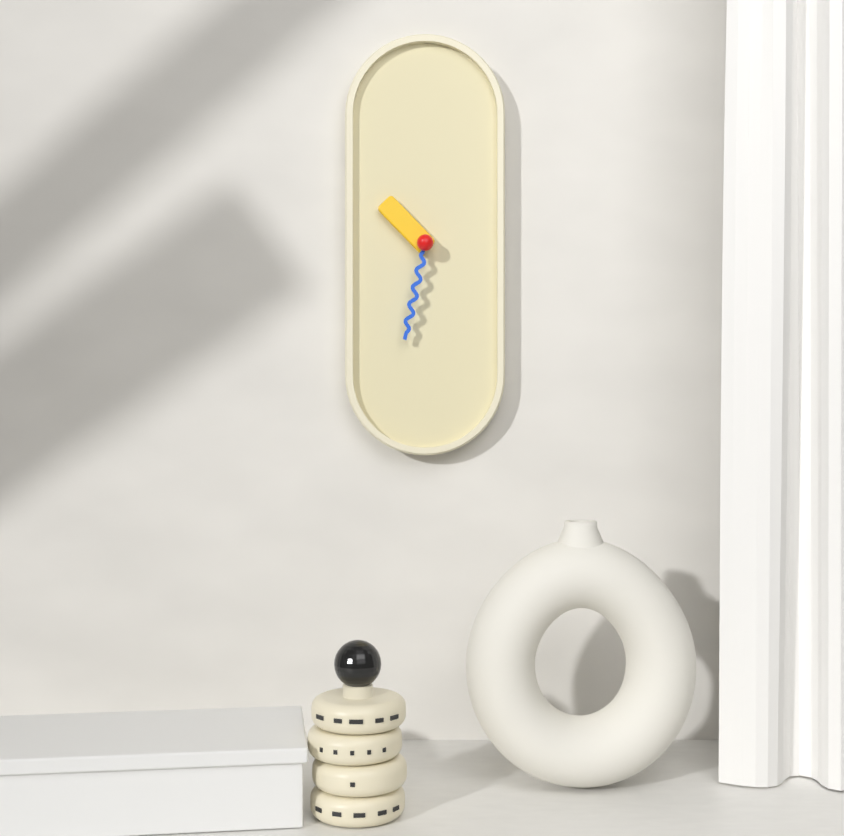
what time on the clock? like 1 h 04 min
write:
10 h 32 min
